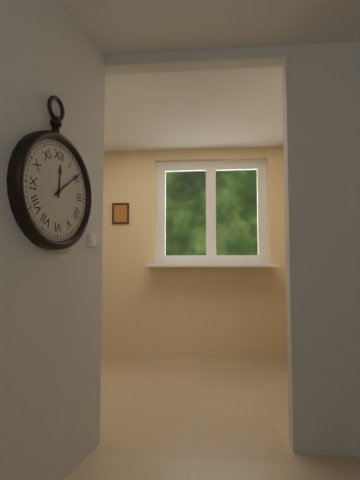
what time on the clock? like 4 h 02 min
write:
12 h 09 min
